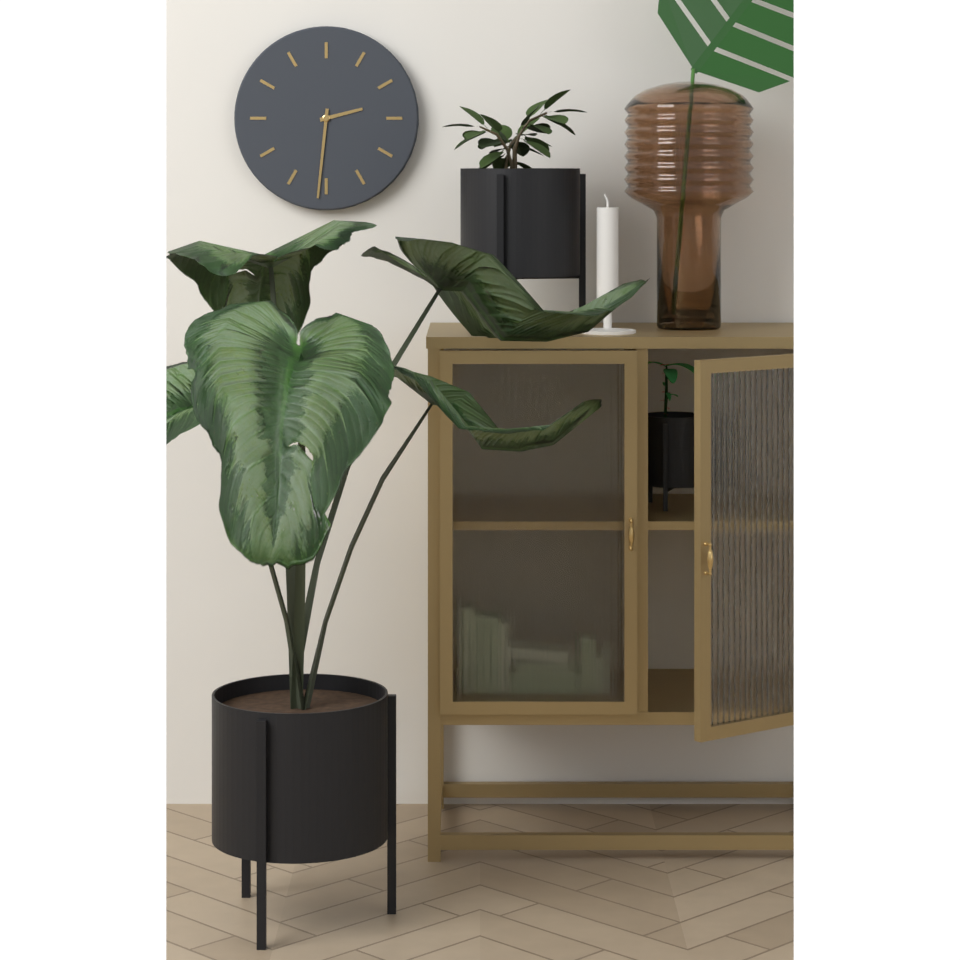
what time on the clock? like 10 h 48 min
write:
2 h 31 min
